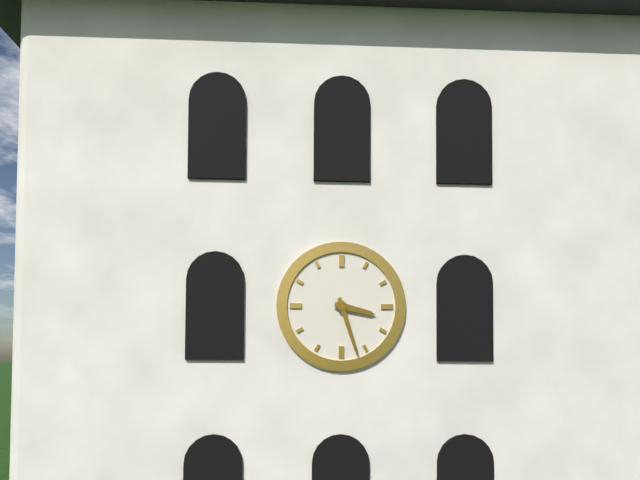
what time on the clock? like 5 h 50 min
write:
3 h 27 min
